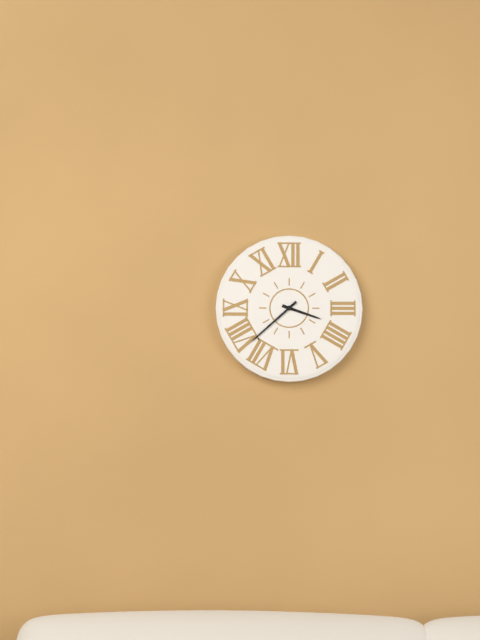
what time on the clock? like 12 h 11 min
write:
3 h 38 min
